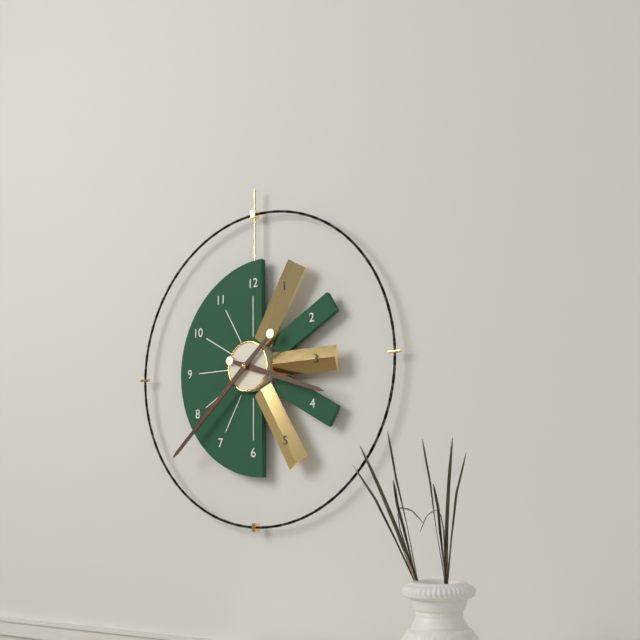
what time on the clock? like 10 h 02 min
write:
3 h 38 min
